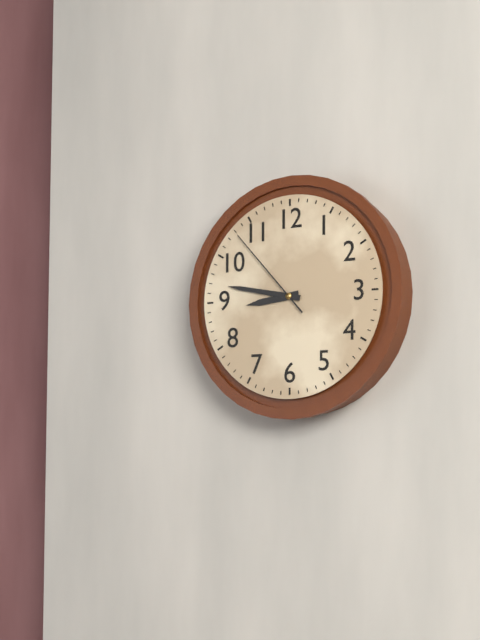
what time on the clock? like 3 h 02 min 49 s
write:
8 h 47 min 53 s
